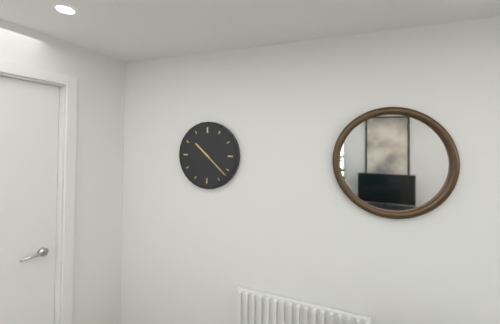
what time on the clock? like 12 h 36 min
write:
10 h 22 min
